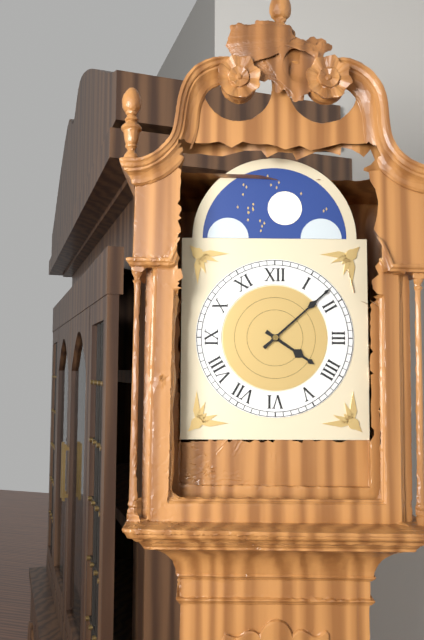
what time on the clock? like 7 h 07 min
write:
4 h 08 min
